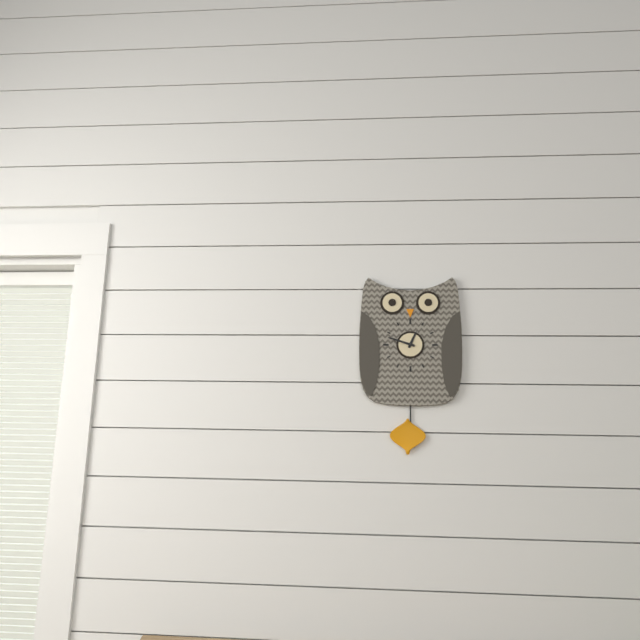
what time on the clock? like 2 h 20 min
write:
12 h 48 min
